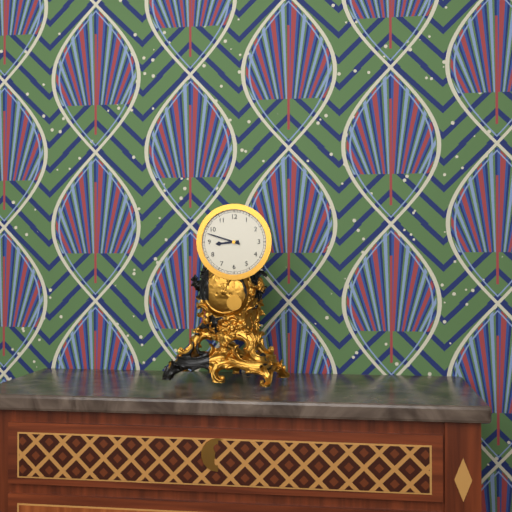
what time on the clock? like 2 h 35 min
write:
8 h 48 min
